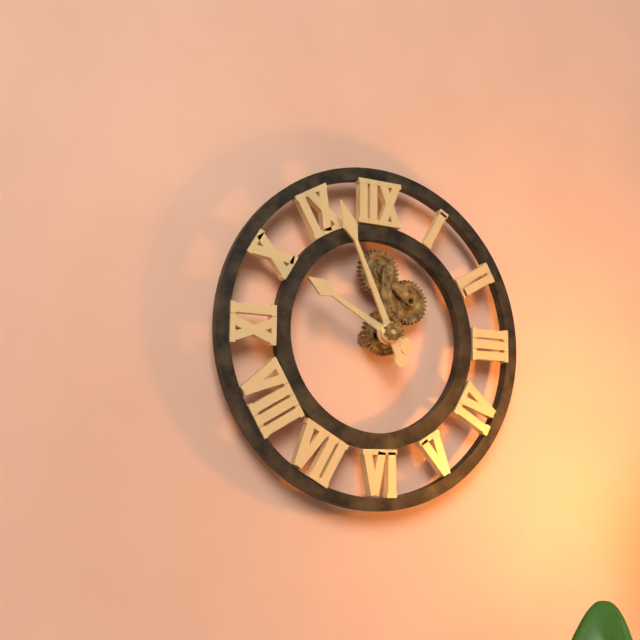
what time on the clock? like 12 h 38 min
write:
9 h 56 min
